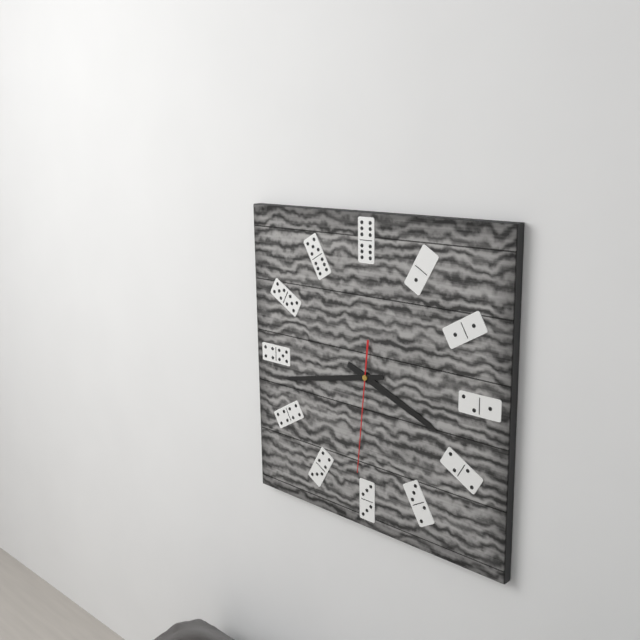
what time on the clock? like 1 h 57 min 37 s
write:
3 h 43 min 31 s
